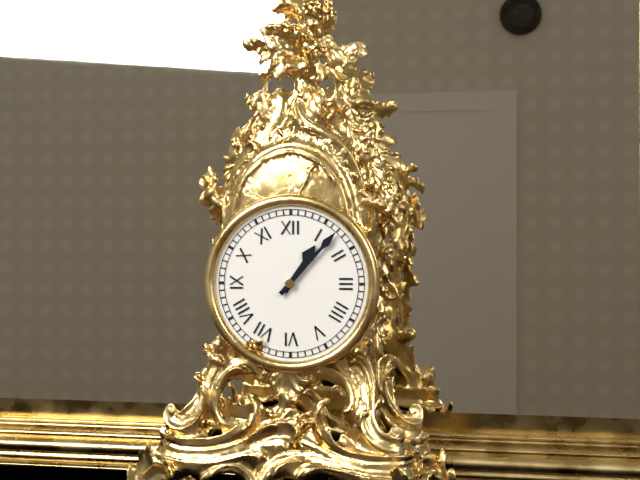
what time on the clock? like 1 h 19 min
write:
1 h 07 min
